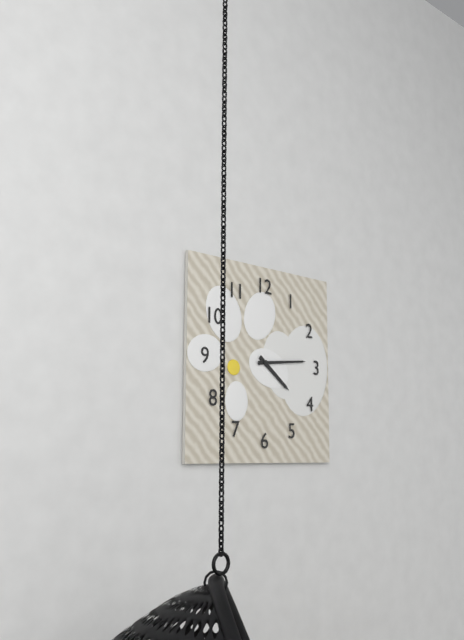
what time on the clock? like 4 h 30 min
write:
4 h 14 min
